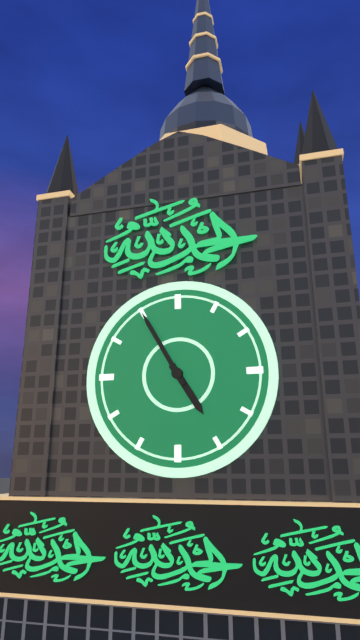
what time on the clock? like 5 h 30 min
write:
4 h 55 min
